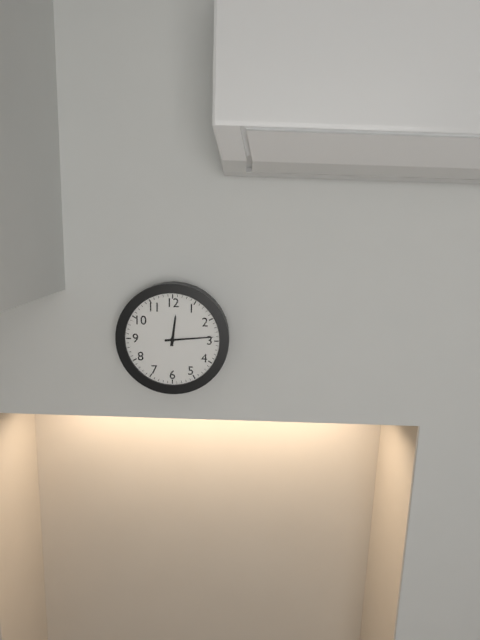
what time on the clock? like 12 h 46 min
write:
12 h 14 min
